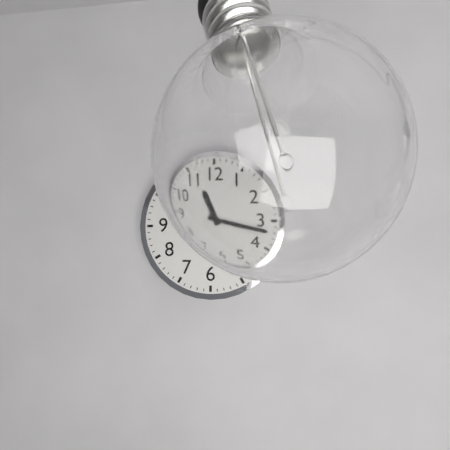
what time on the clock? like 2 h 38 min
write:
11 h 17 min
